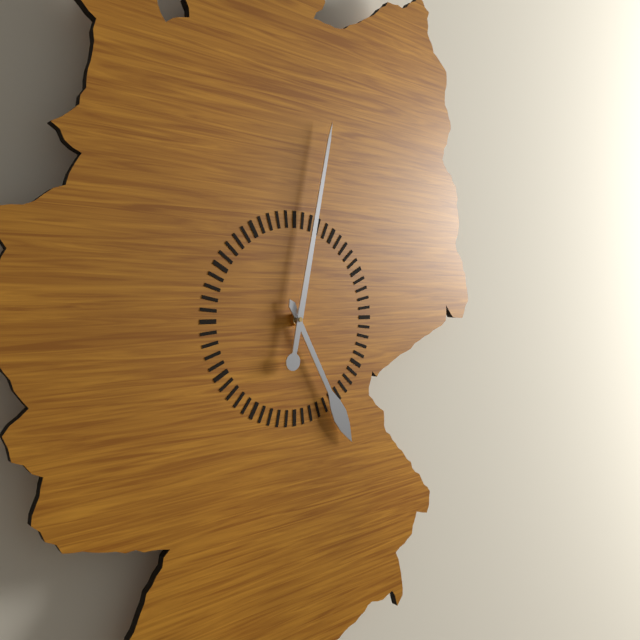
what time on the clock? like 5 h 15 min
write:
5 h 02 min
